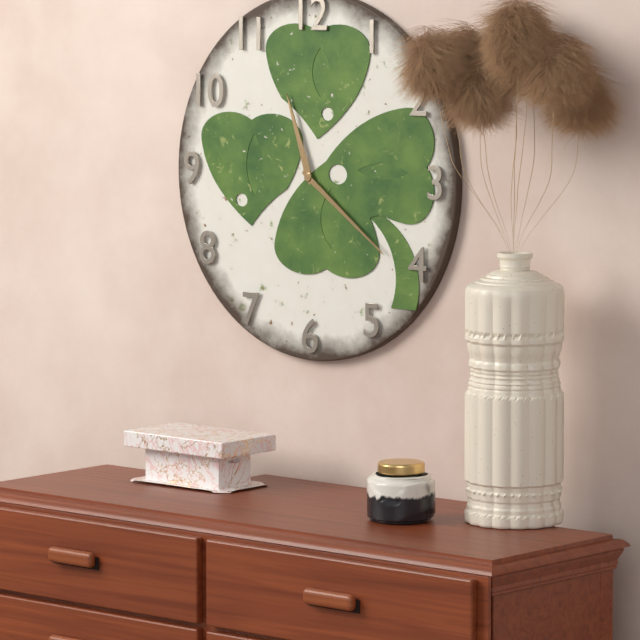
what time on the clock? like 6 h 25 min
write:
11 h 21 min
